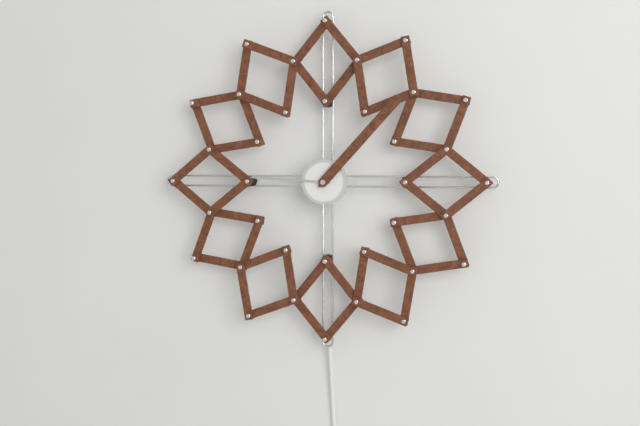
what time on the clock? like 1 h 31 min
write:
9 h 07 min
